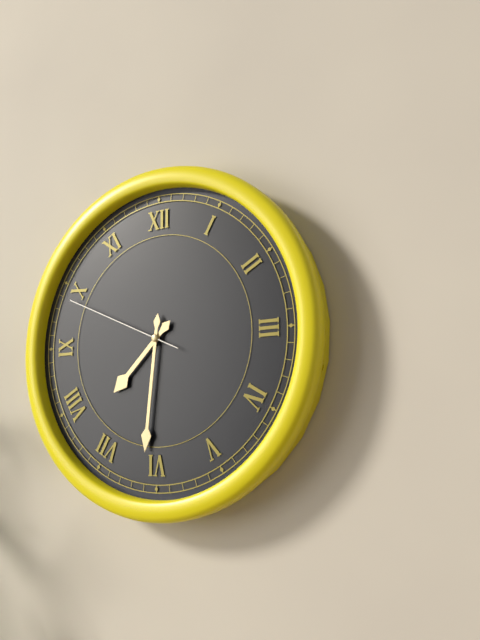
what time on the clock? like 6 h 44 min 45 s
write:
7 h 31 min 49 s
